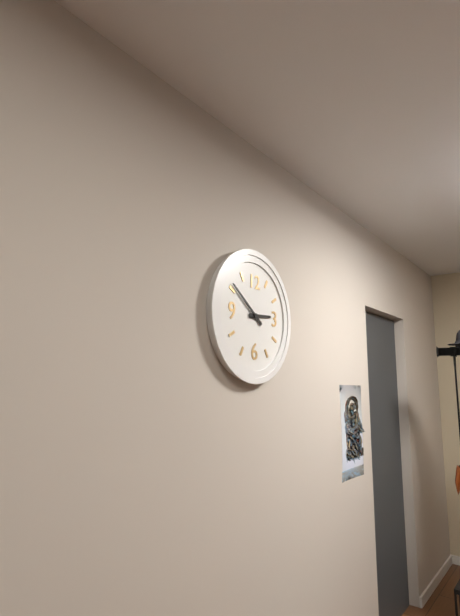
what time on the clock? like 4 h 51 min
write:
2 h 51 min
